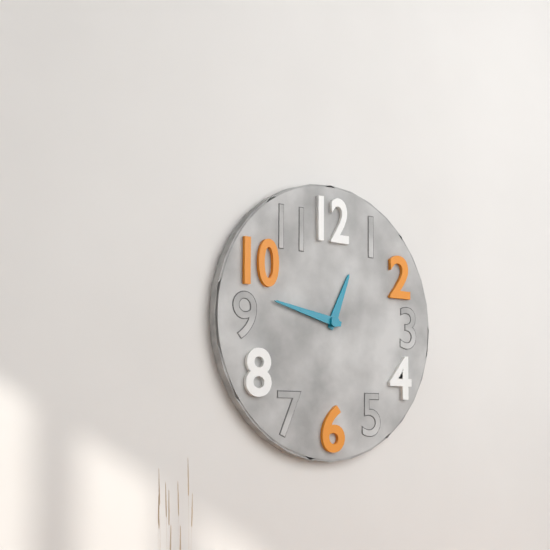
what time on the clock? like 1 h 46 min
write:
12 h 47 min
